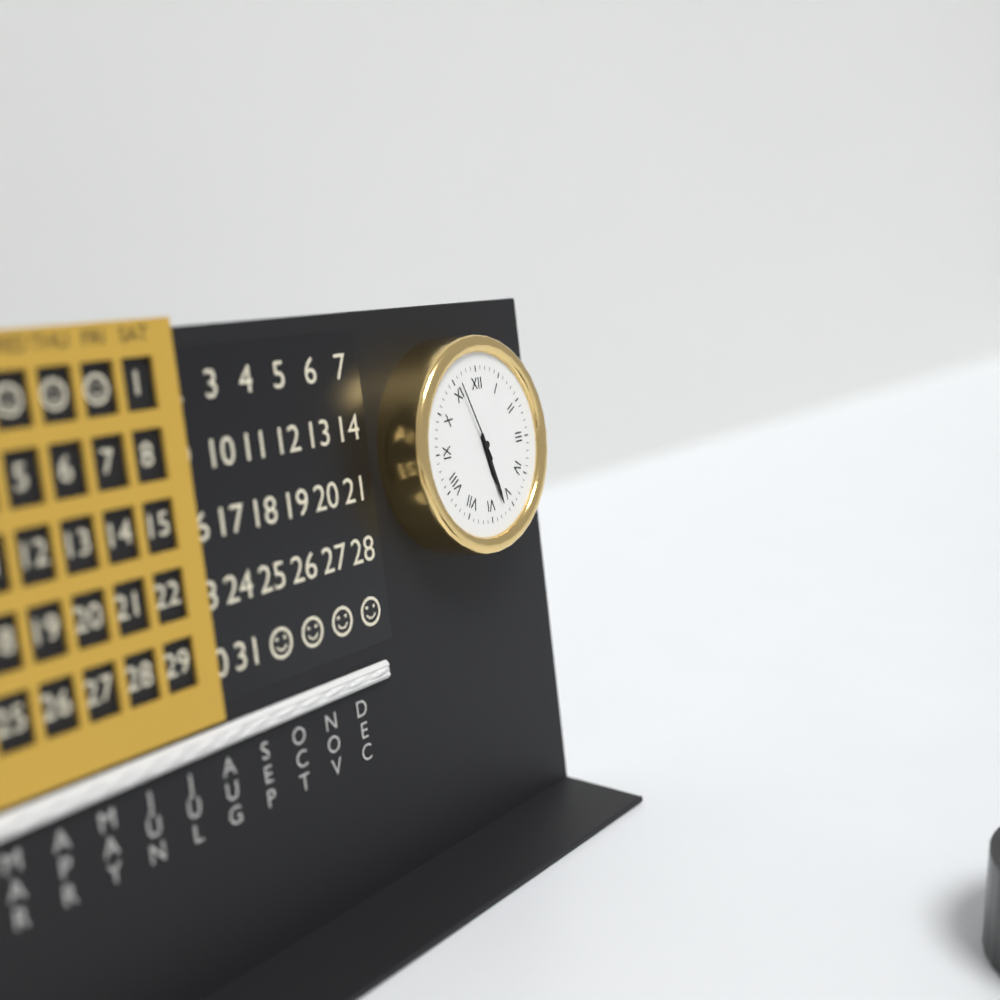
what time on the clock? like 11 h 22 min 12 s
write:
5 h 27 min 56 s
